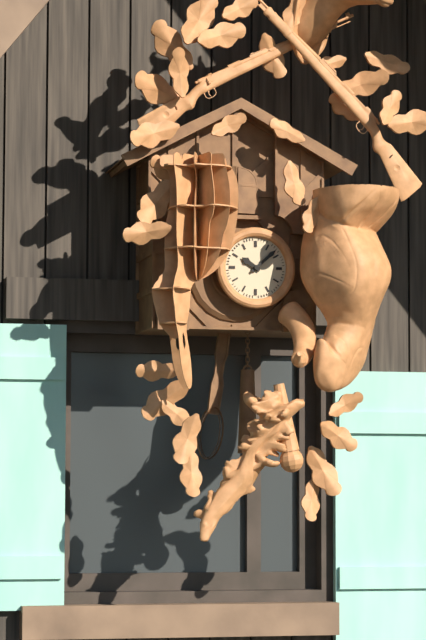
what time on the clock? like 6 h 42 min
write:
10 h 08 min
